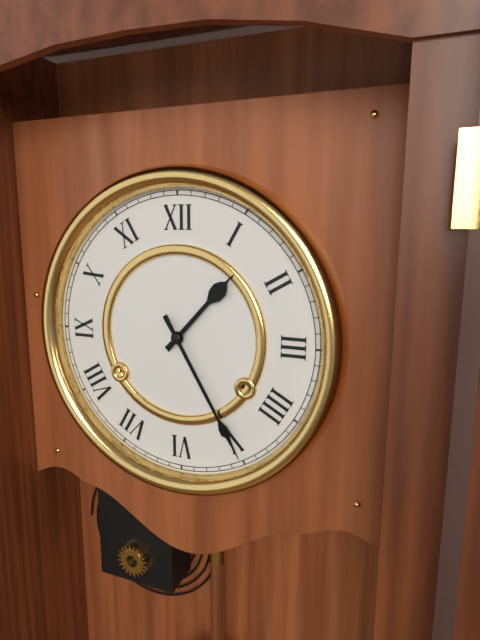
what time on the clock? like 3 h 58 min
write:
1 h 25 min
